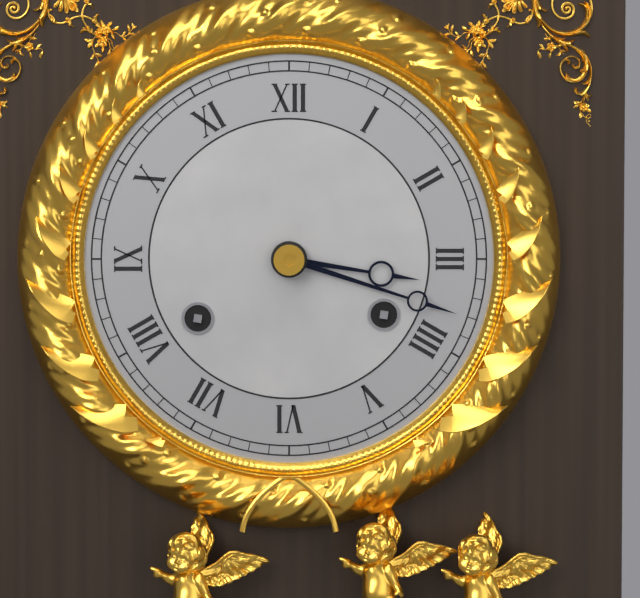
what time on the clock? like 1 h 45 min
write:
3 h 18 min
